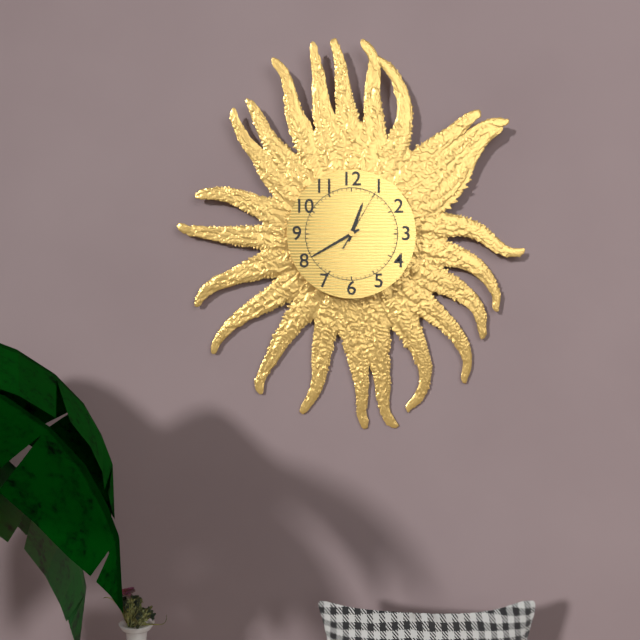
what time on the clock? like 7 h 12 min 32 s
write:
12 h 40 min 05 s
